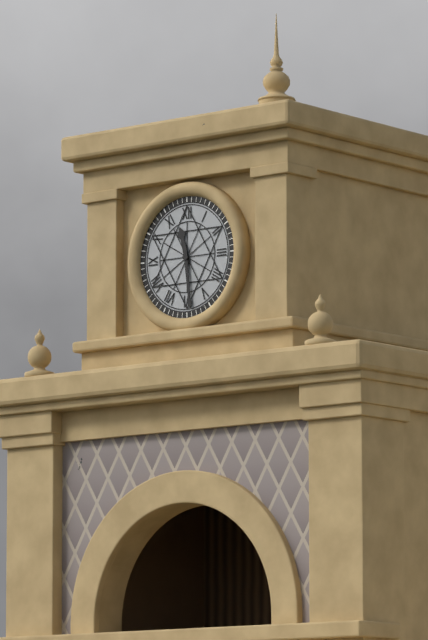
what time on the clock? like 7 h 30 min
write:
11 h 29 min
